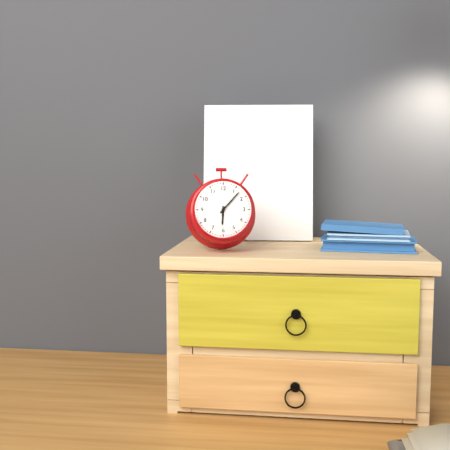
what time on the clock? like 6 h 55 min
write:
6 h 07 min
